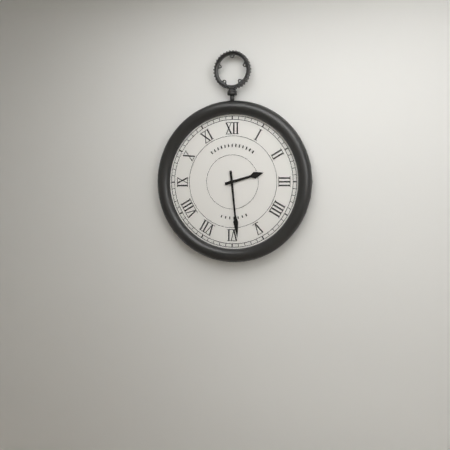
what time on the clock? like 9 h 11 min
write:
2 h 29 min
